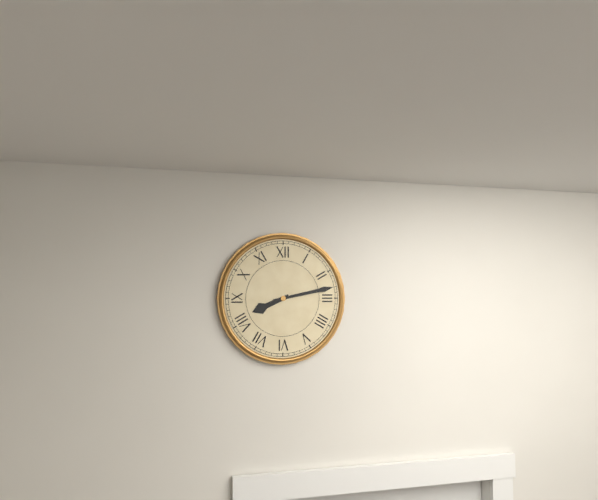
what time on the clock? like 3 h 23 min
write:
8 h 13 min
